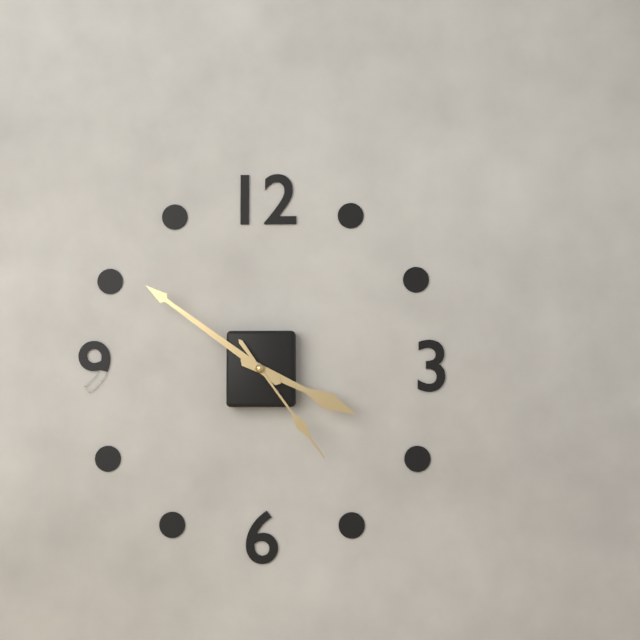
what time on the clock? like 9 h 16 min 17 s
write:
3 h 51 min 24 s
